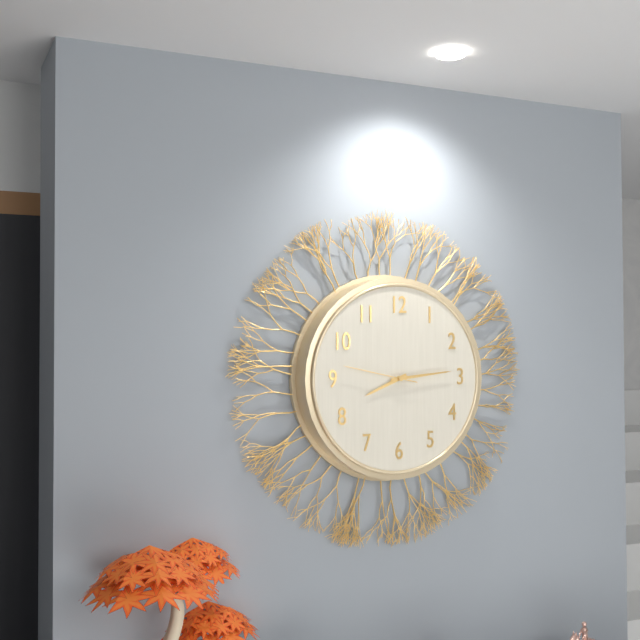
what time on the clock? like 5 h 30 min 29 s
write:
8 h 14 min 47 s
